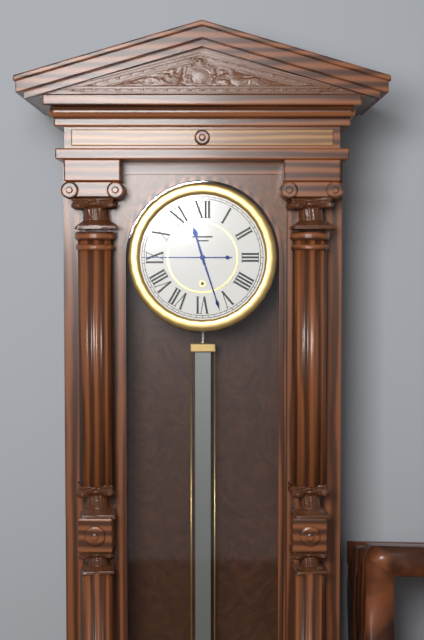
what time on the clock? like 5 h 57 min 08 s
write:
11 h 27 min 45 s
